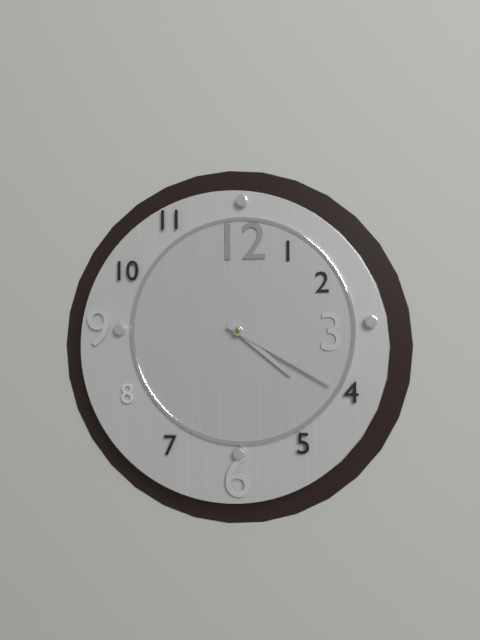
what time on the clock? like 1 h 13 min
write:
4 h 20 min
